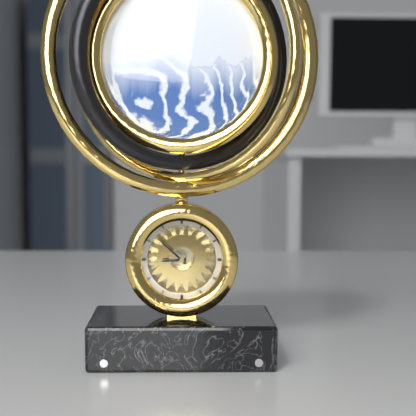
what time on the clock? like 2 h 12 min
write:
8 h 52 min
